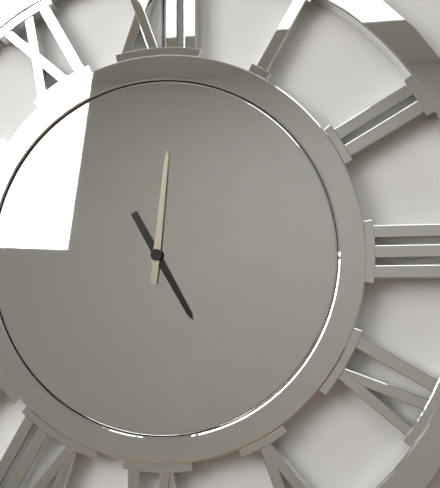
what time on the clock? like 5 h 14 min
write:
5 h 01 min
